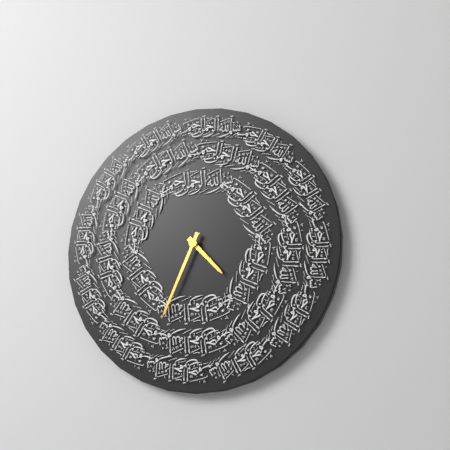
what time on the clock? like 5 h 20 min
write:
4 h 34 min
